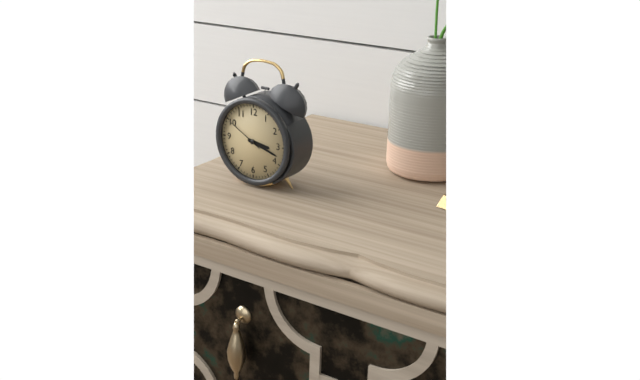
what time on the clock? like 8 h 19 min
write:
3 h 18 min
